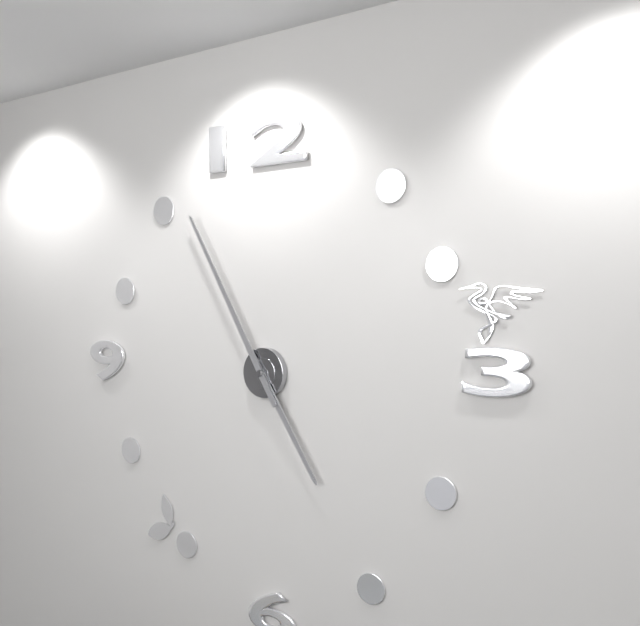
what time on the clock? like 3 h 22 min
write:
4 h 55 min
